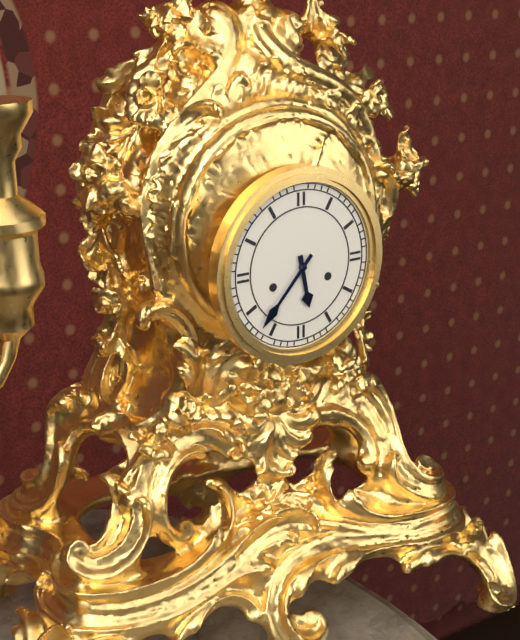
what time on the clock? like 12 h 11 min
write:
5 h 37 min
